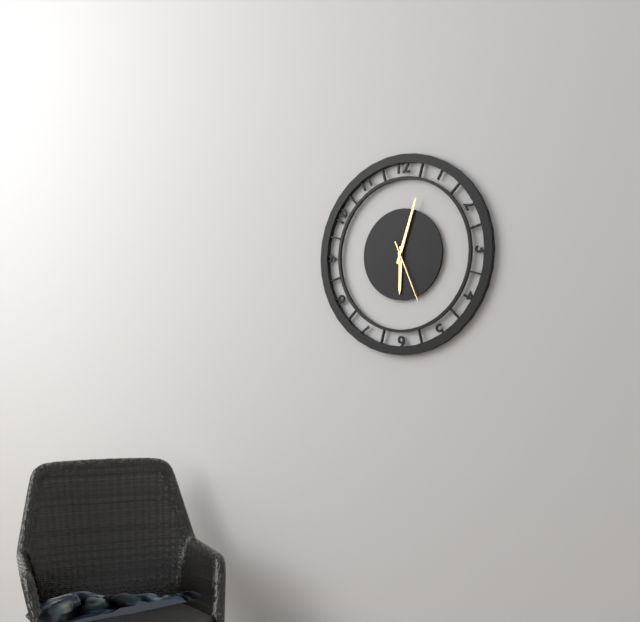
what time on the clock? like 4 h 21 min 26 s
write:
6 h 03 min 26 s
